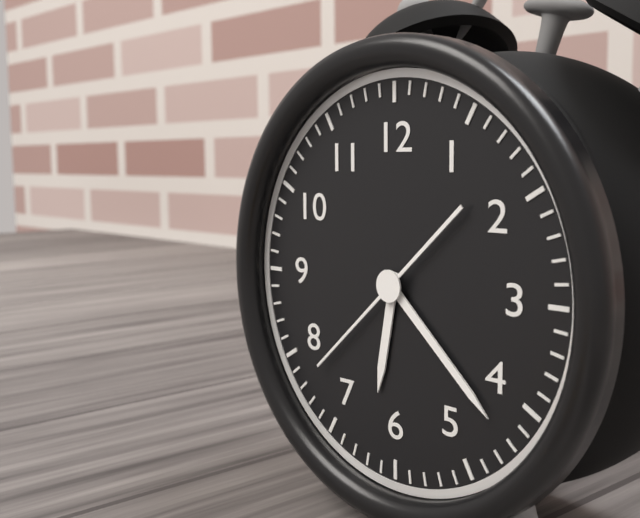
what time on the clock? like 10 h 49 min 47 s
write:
6 h 22 min 38 s
